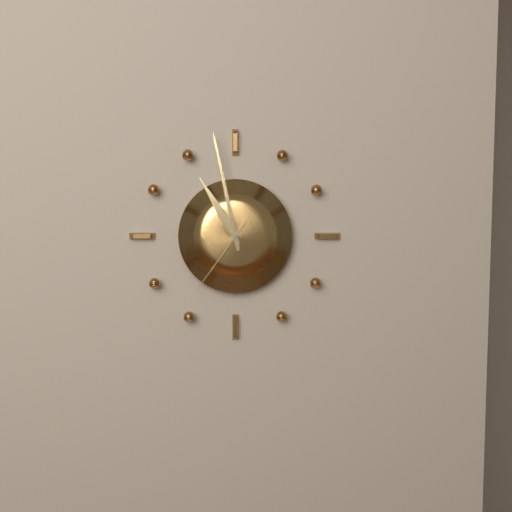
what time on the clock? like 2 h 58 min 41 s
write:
10 h 58 min 36 s
